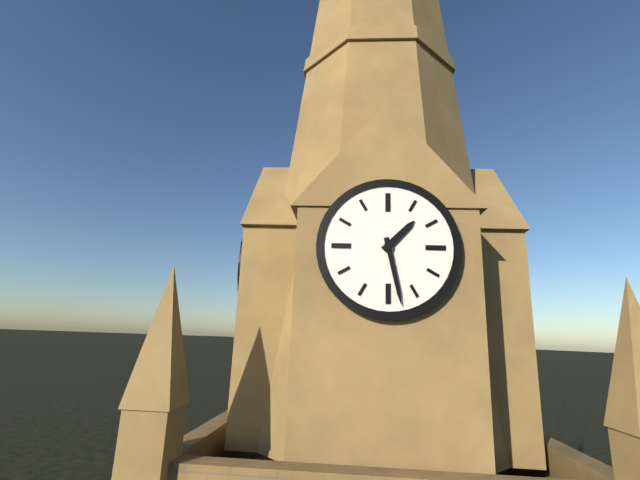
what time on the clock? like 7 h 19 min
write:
1 h 28 min
